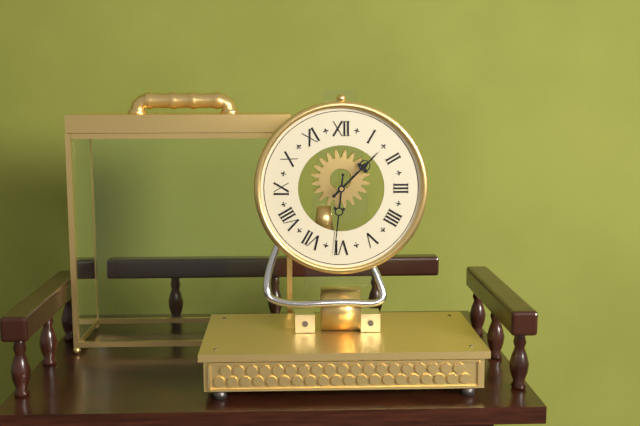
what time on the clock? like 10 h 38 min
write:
1 h 31 min
